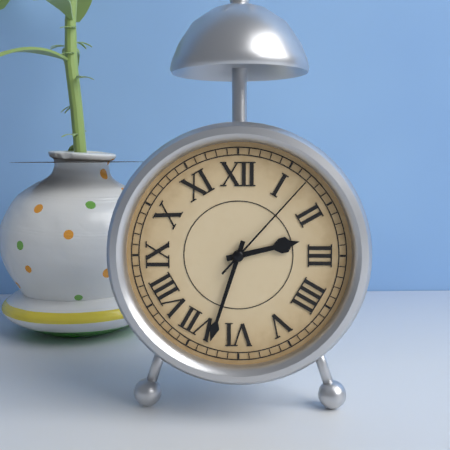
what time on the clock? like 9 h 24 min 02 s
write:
2 h 33 min 07 s
